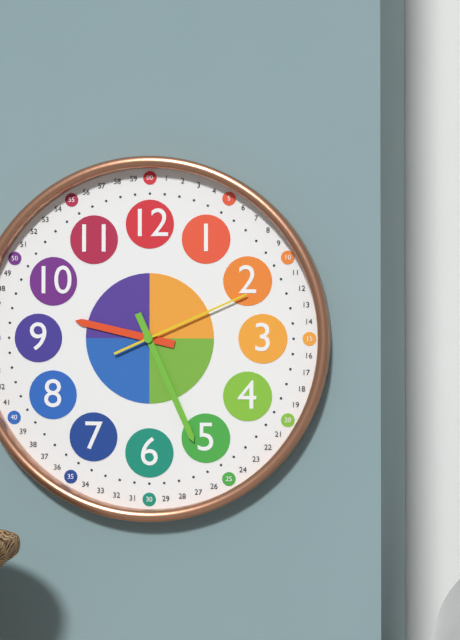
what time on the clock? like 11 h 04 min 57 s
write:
9 h 26 min 11 s
